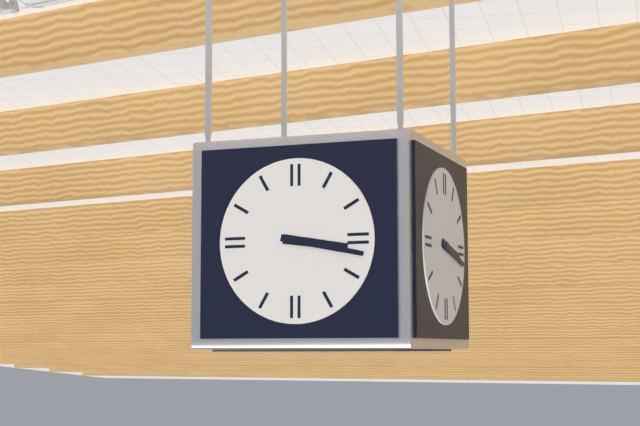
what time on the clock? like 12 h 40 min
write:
3 h 17 min
